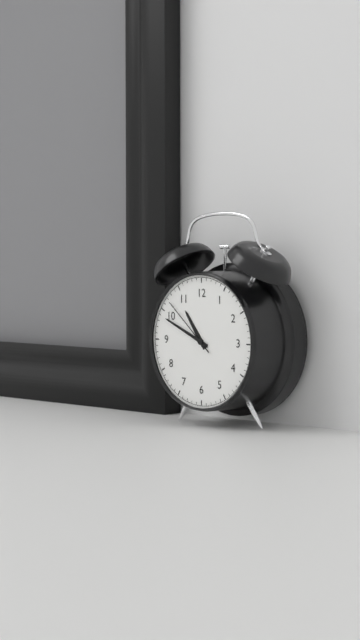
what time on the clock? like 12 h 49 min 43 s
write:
10 h 49 min 52 s
